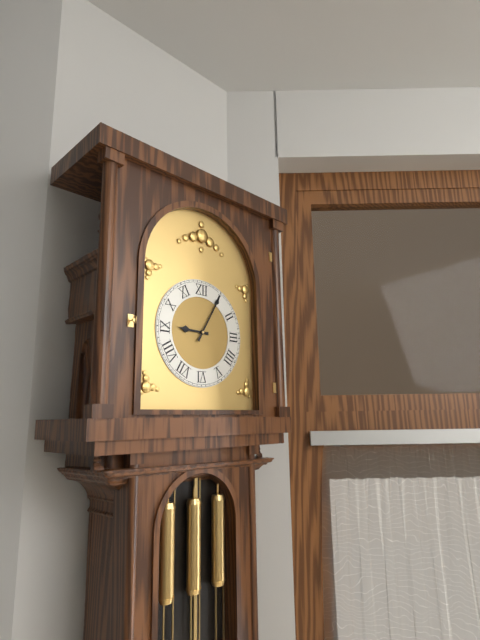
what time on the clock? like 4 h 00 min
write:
9 h 05 min
